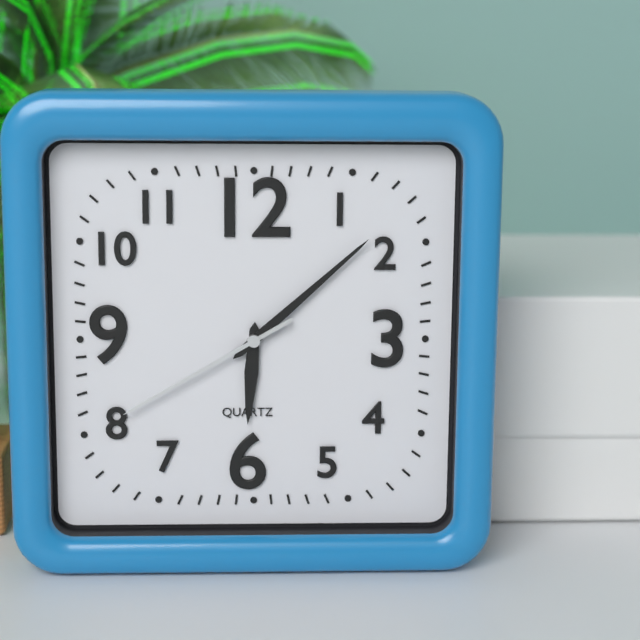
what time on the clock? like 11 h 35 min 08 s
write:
6 h 08 min 40 s
